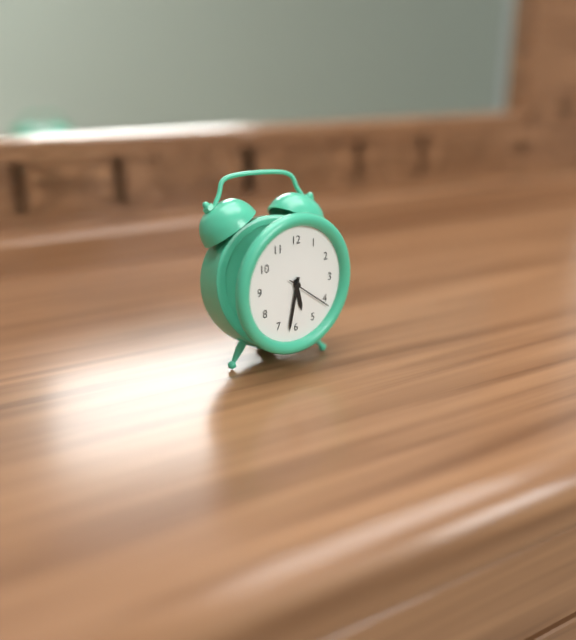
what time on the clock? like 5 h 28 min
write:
5 h 32 min
